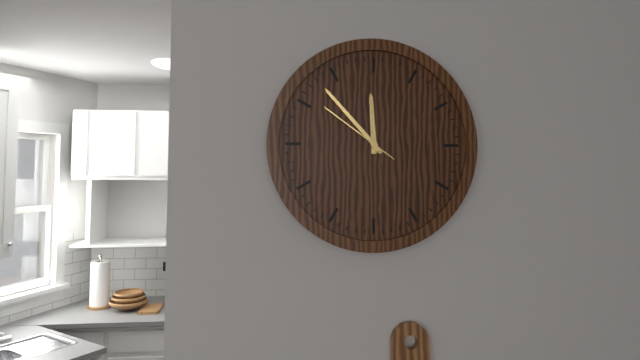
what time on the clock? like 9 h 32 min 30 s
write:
11 h 53 min 51 s
